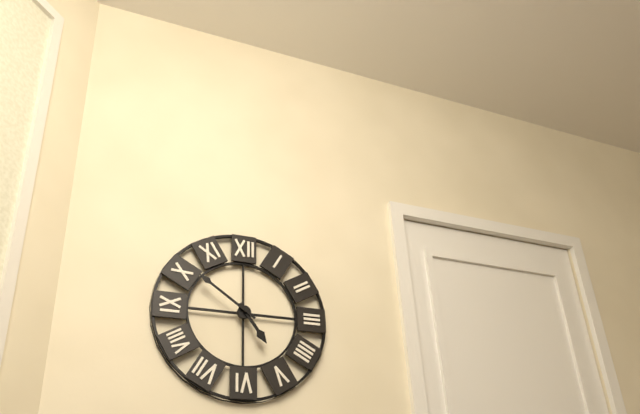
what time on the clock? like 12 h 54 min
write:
4 h 51 min
